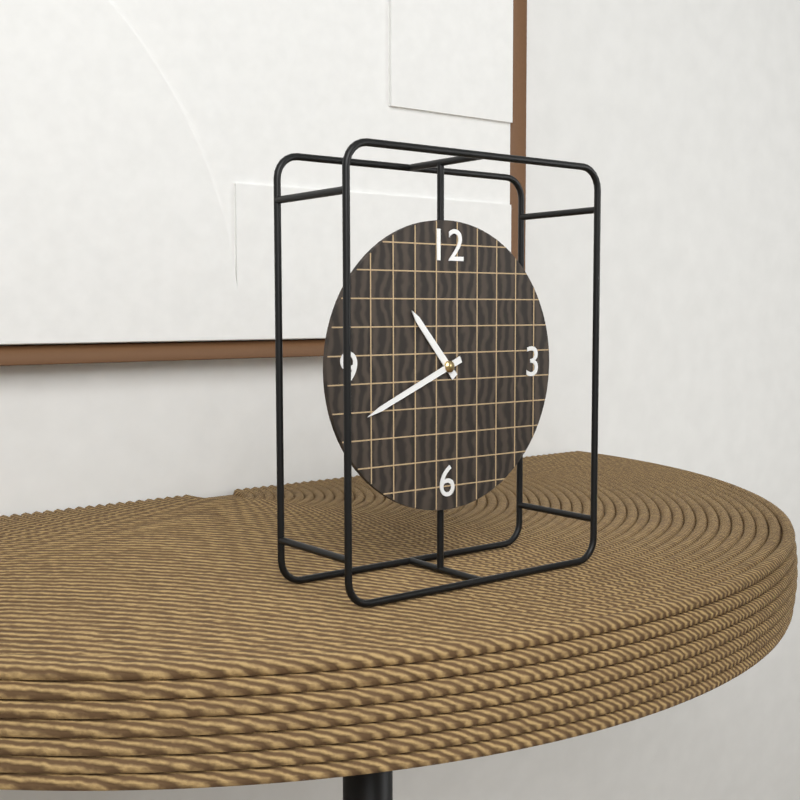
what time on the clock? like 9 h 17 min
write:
10 h 41 min
